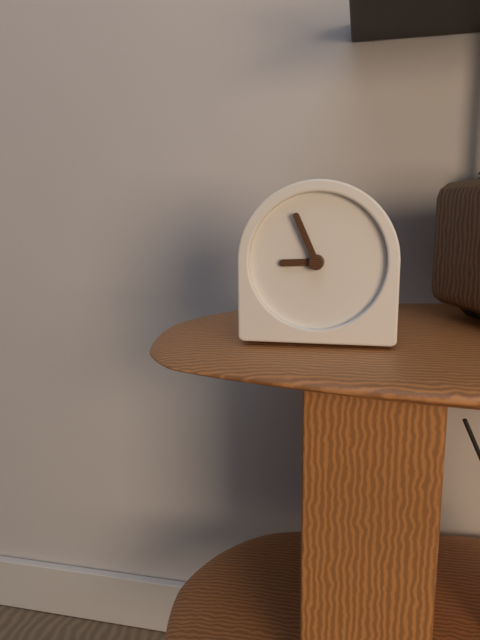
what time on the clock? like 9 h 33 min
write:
8 h 56 min
